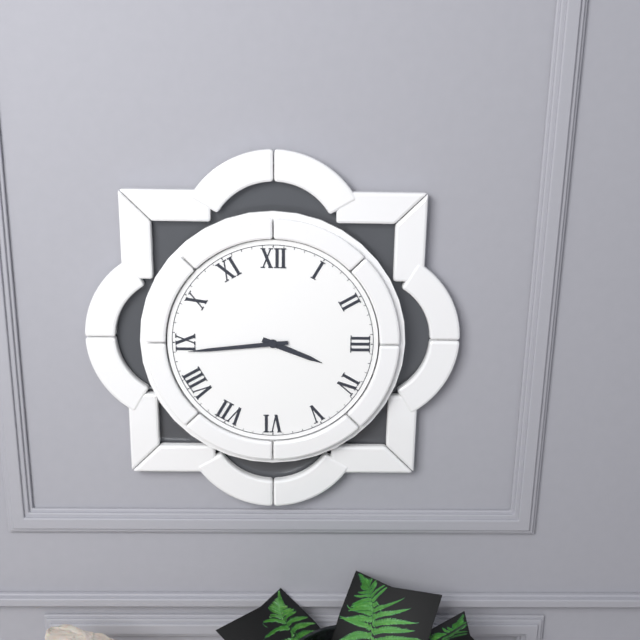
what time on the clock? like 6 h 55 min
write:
3 h 44 min
